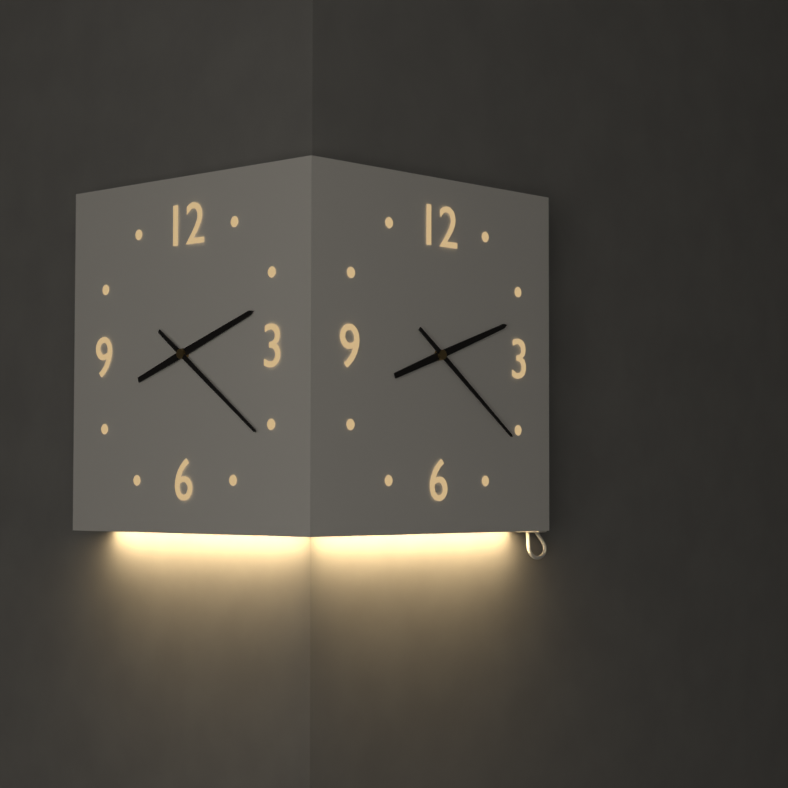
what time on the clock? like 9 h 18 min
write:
2 h 21 min
